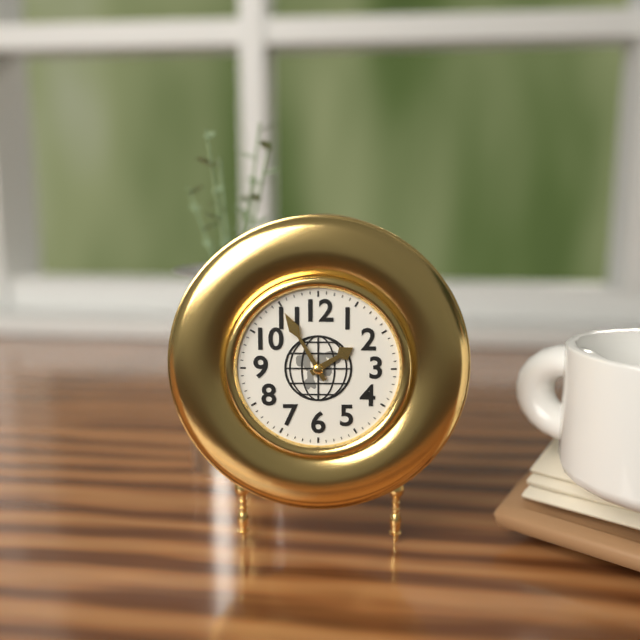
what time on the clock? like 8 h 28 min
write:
1 h 55 min
